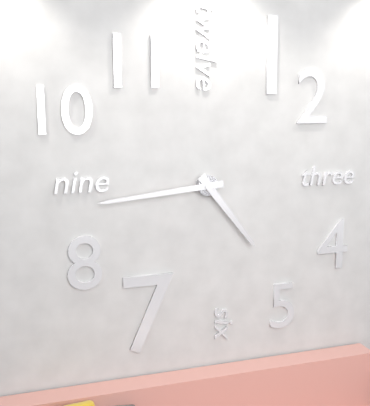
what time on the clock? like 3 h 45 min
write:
4 h 44 min
